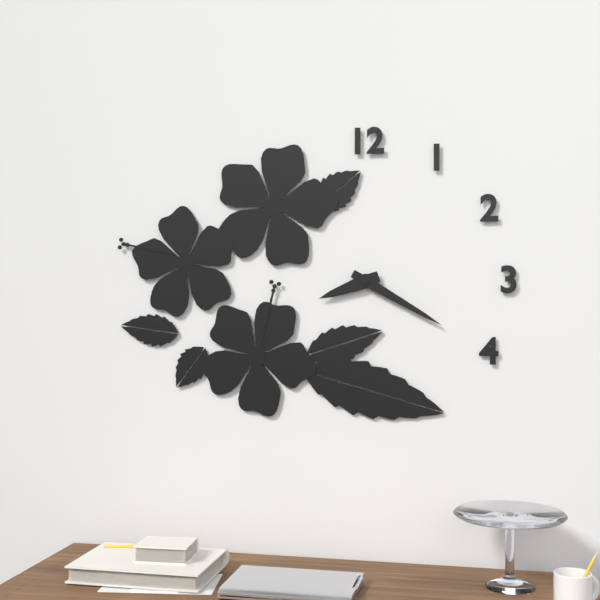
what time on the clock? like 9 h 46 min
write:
8 h 20 min
